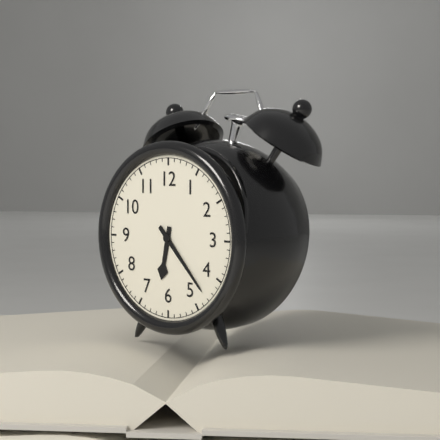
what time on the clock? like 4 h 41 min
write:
6 h 23 min
